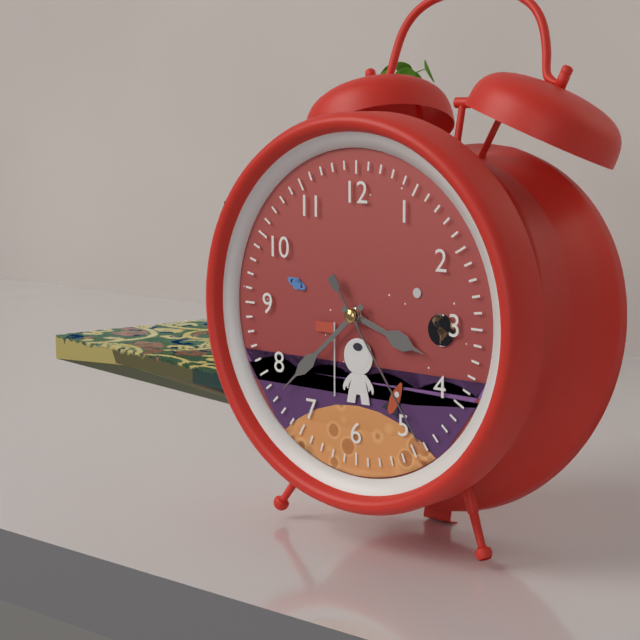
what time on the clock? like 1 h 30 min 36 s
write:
3 h 38 min 24 s
